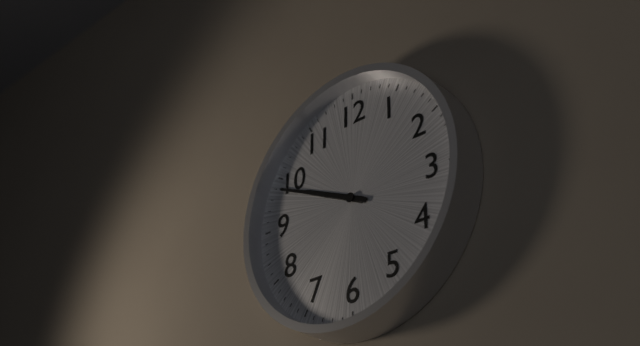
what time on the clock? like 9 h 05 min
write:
9 h 49 min
